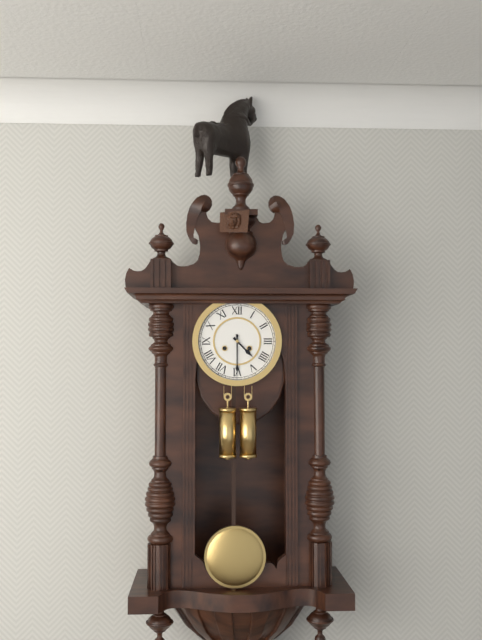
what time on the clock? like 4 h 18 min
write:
4 h 30 min
